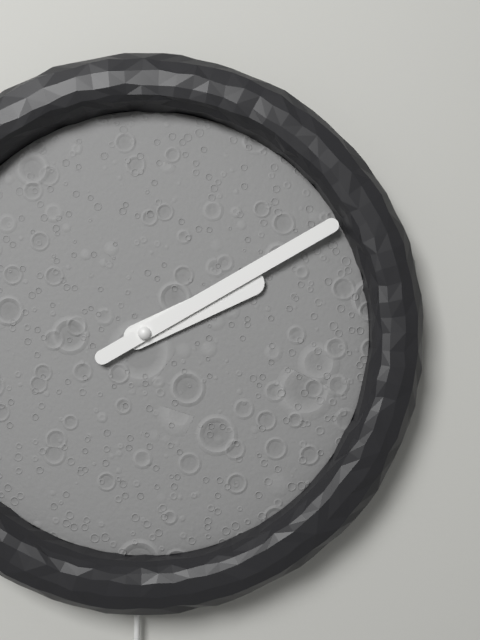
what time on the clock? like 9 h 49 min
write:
2 h 10 min
